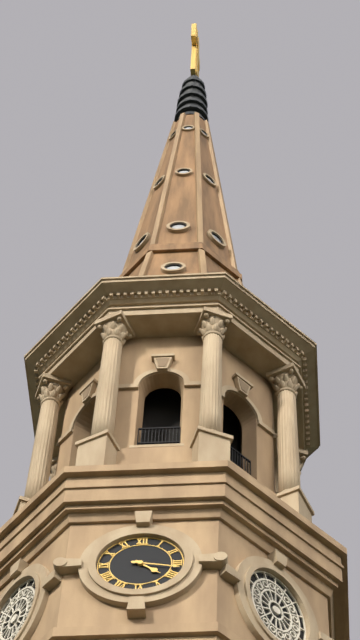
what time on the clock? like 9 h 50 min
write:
4 h 17 min
